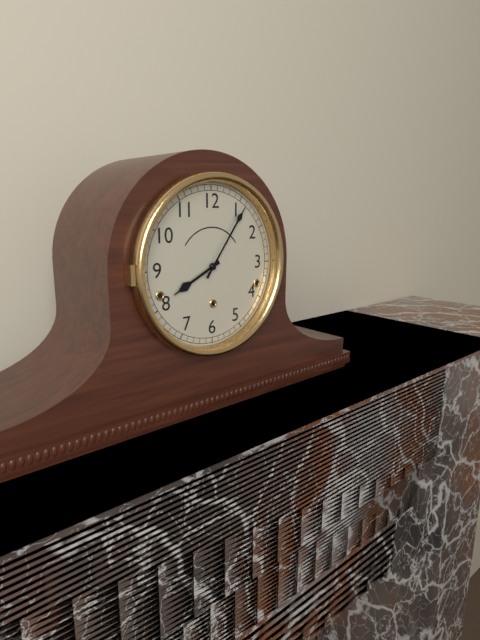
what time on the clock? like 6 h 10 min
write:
8 h 06 min
